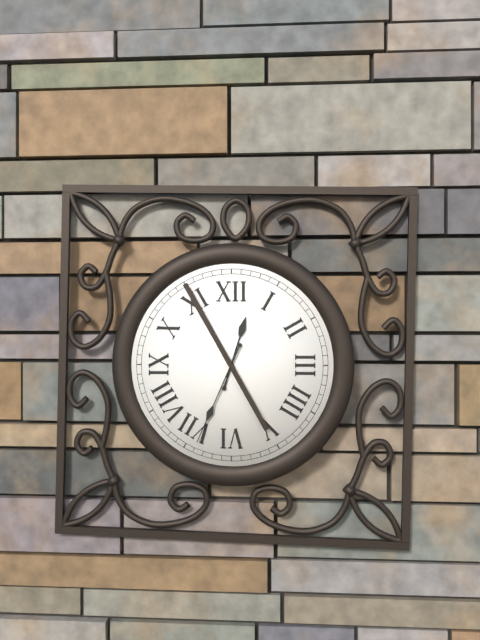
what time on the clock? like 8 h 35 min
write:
12 h 34 min
